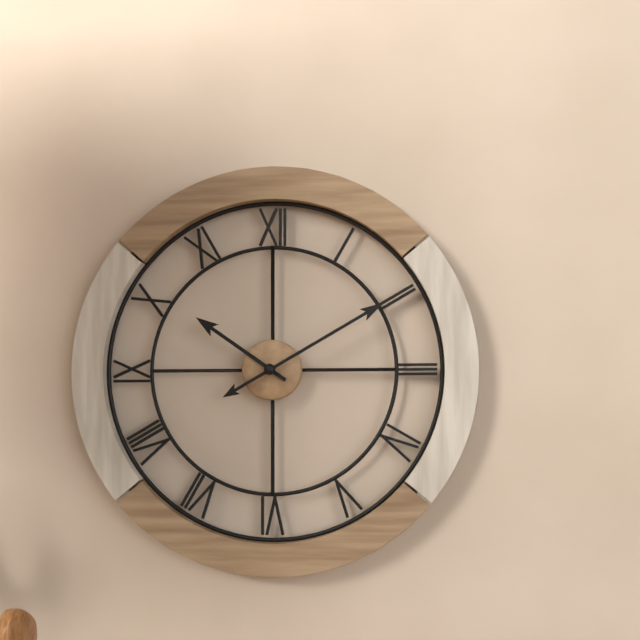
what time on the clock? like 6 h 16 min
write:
10 h 10 min
